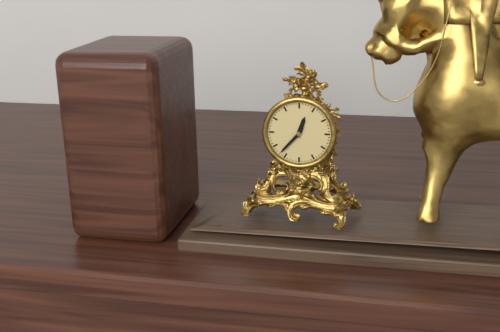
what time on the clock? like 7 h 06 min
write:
12 h 37 min
